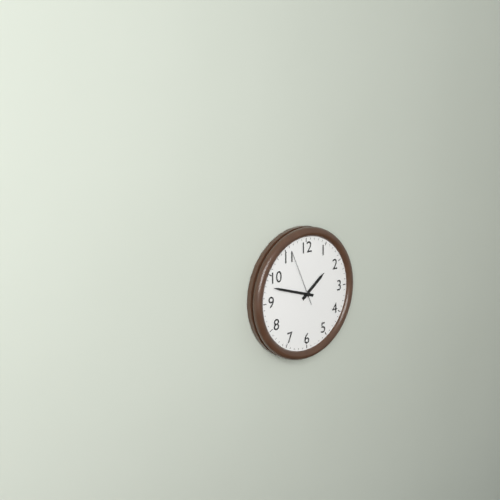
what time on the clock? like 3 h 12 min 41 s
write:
1 h 48 min 56 s
